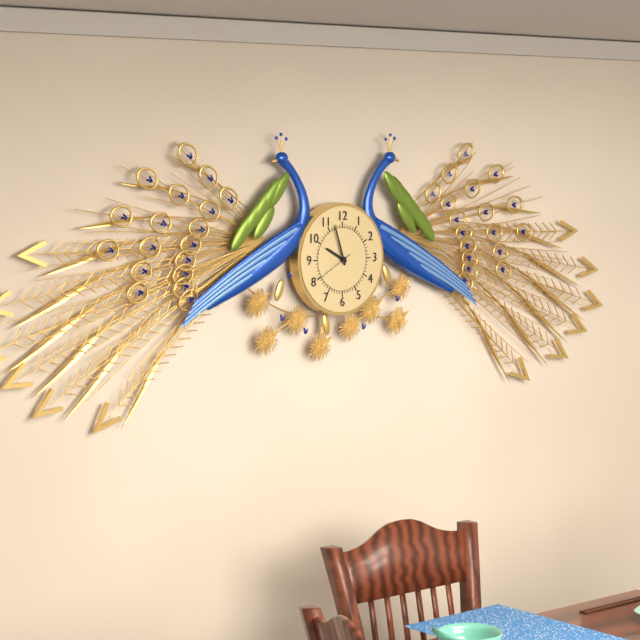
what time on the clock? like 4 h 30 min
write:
9 h 57 min
